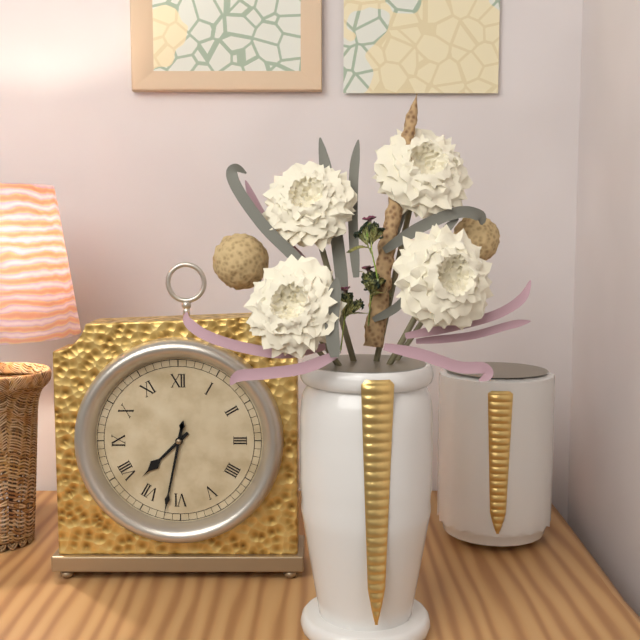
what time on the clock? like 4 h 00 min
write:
7 h 32 min
